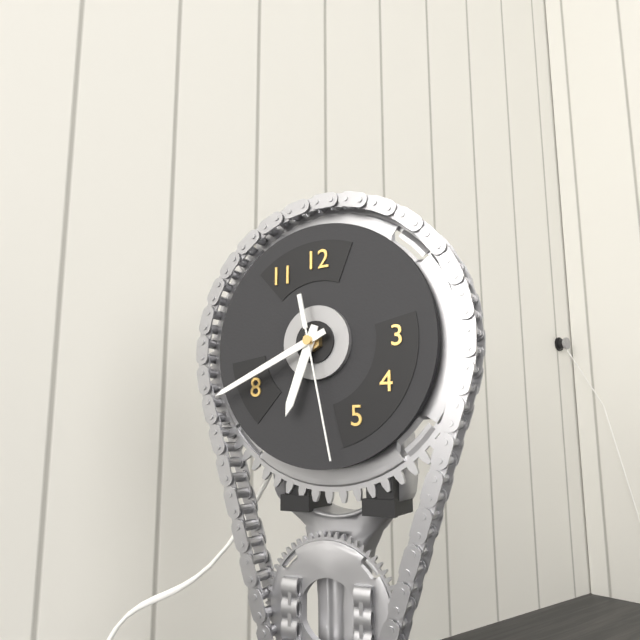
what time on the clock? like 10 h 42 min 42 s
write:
6 h 41 min 28 s
